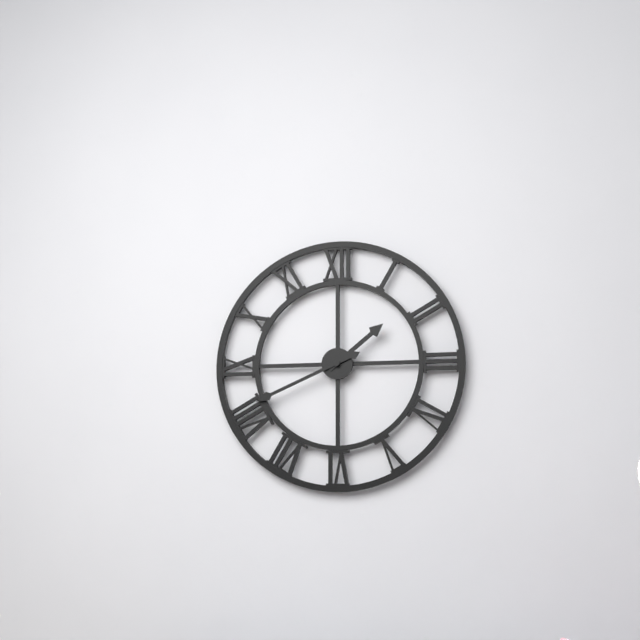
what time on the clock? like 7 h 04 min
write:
1 h 41 min
